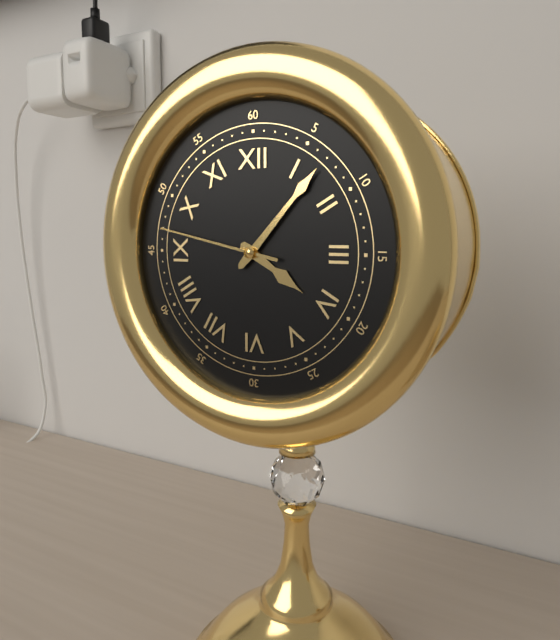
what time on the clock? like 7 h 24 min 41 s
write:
4 h 07 min 47 s
